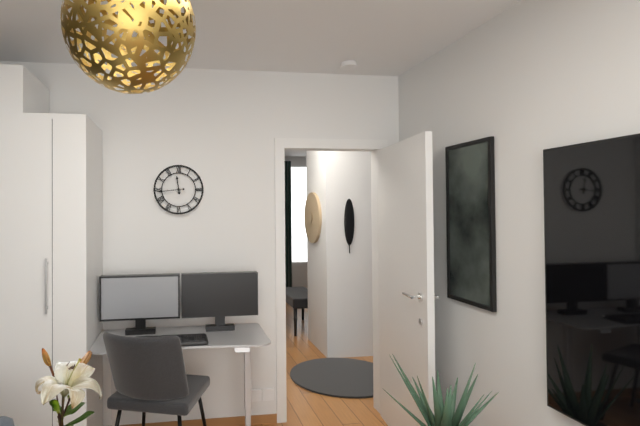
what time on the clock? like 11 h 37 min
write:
11 h 44 min
